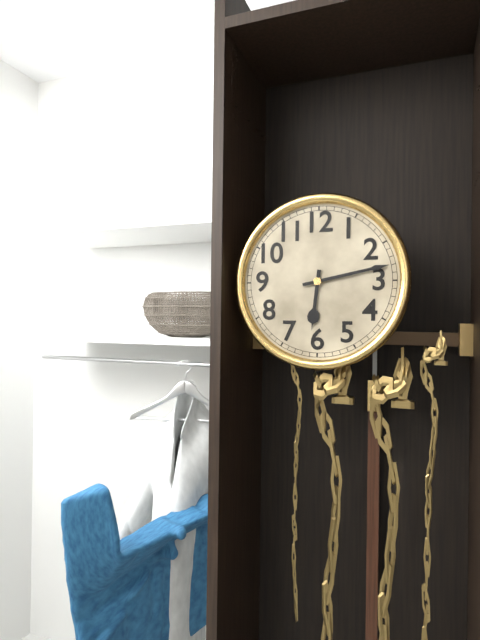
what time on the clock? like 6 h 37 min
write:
6 h 13 min
